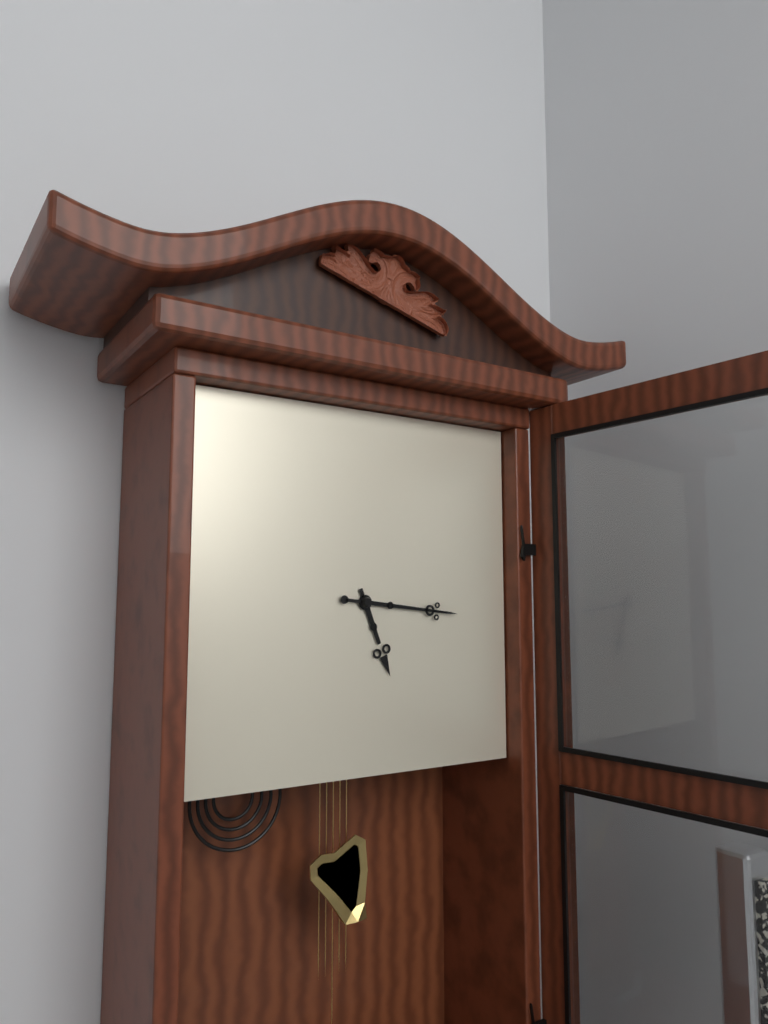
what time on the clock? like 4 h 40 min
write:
5 h 16 min
